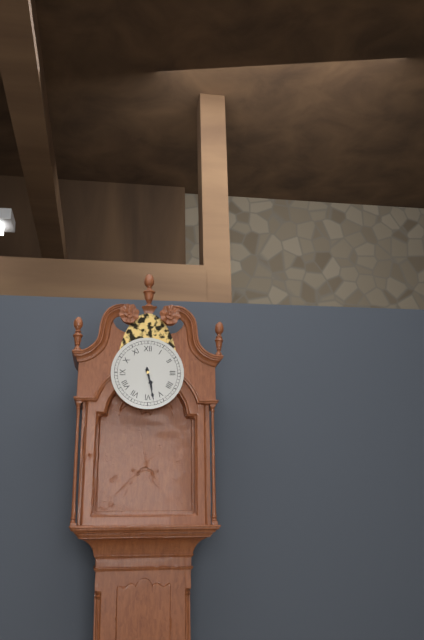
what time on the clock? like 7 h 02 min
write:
5 h 28 min
